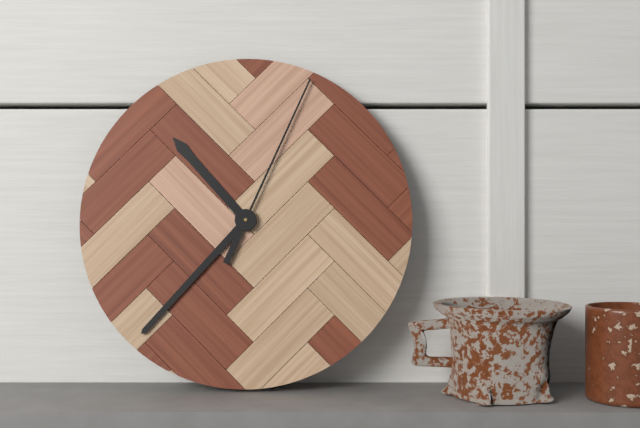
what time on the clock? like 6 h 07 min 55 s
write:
10 h 37 min 04 s
